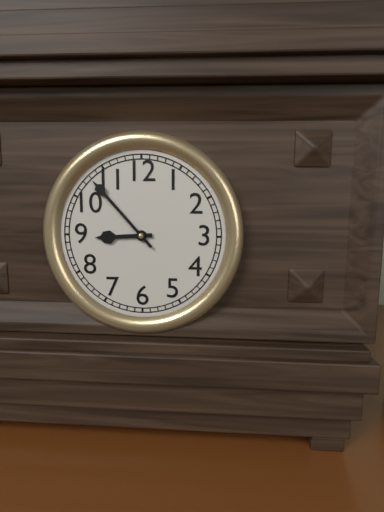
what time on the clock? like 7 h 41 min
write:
8 h 53 min
